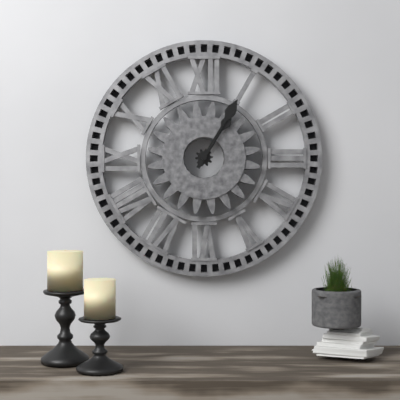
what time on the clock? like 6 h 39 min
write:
1 h 05 min
